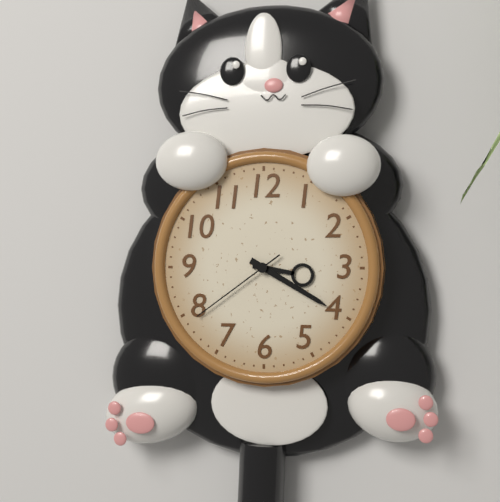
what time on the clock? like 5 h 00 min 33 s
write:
3 h 20 min 39 s
